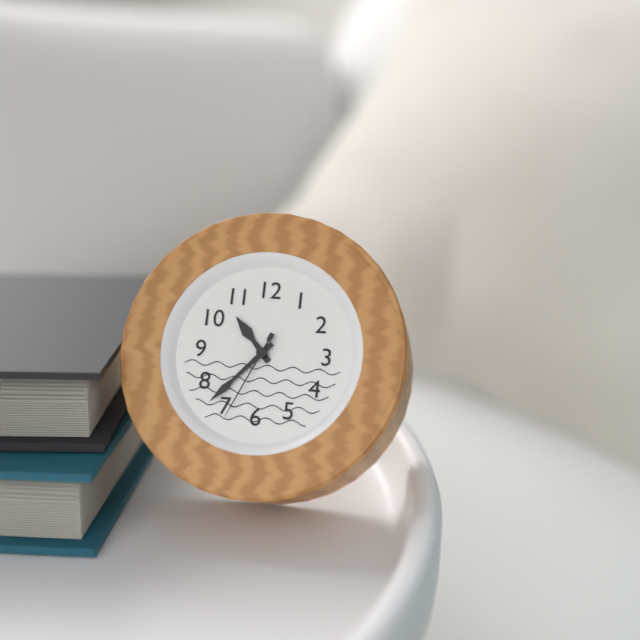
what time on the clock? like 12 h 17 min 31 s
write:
10 h 37 min 34 s
